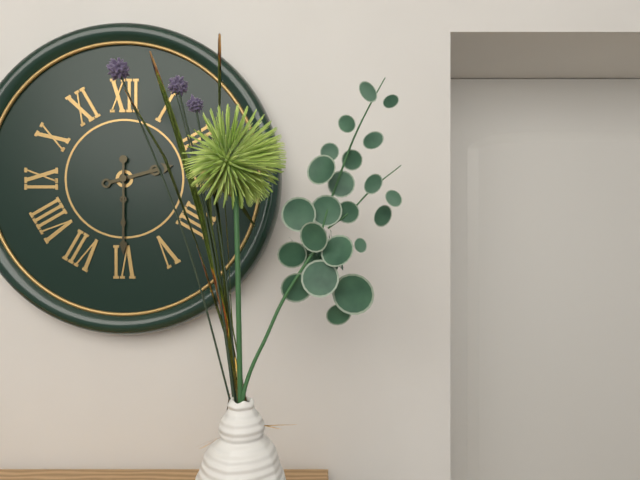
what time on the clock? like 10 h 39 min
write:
2 h 30 min
